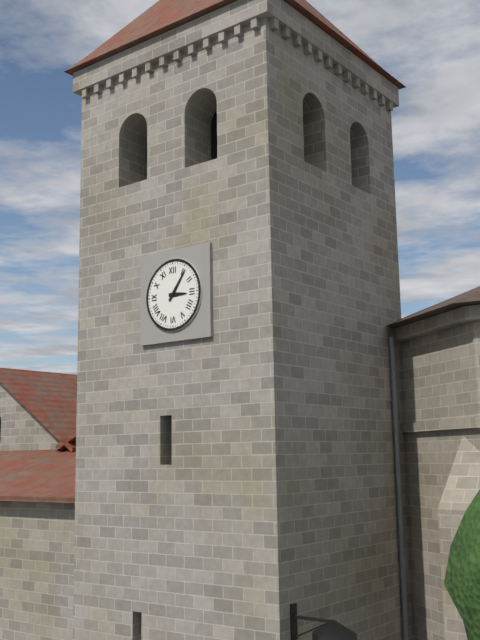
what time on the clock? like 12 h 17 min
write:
3 h 06 min
